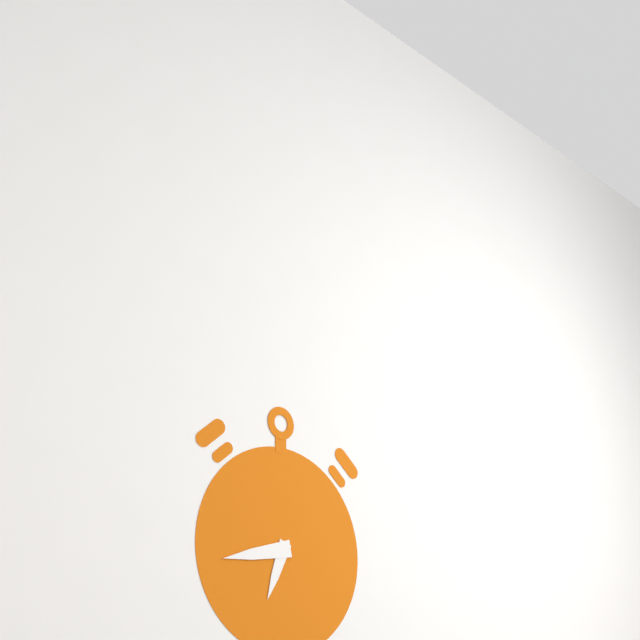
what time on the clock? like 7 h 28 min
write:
6 h 43 min
